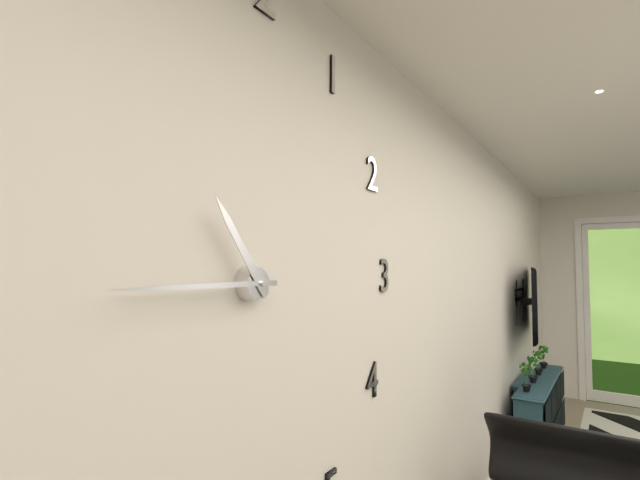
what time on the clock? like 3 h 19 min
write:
10 h 45 min
